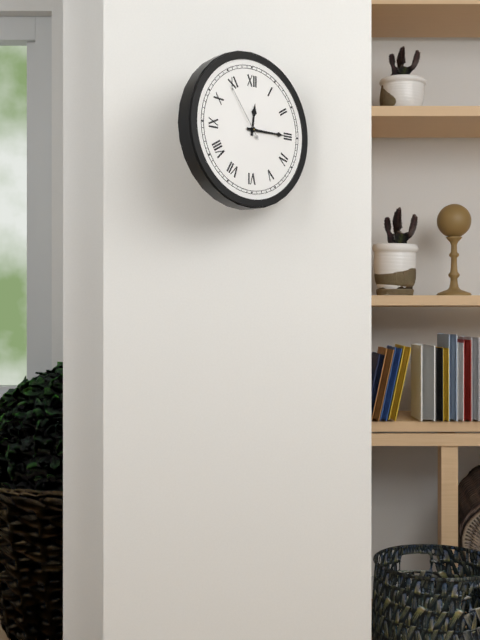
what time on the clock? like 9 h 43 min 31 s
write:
12 h 15 min 54 s
